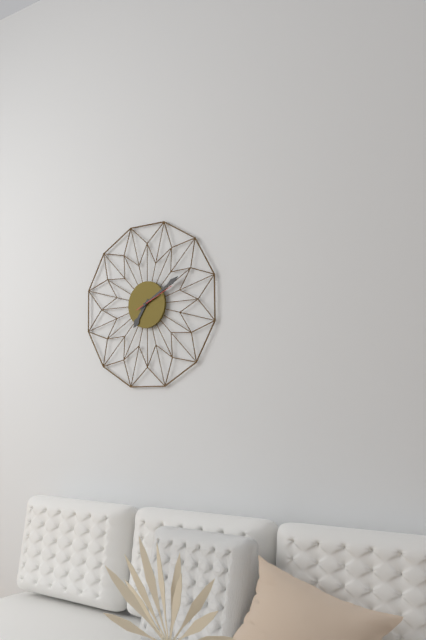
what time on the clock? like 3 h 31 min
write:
7 h 10 min
